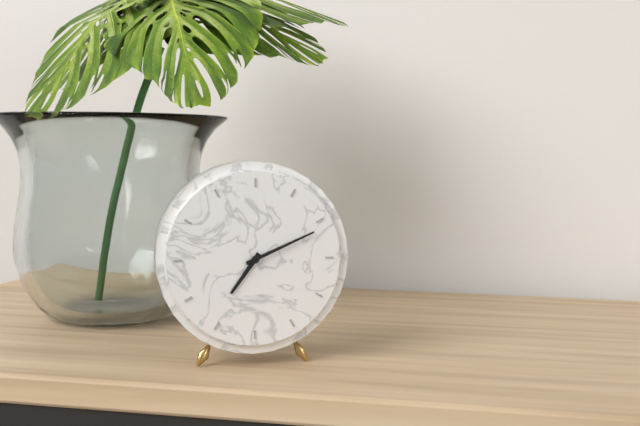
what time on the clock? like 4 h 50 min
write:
7 h 11 min
